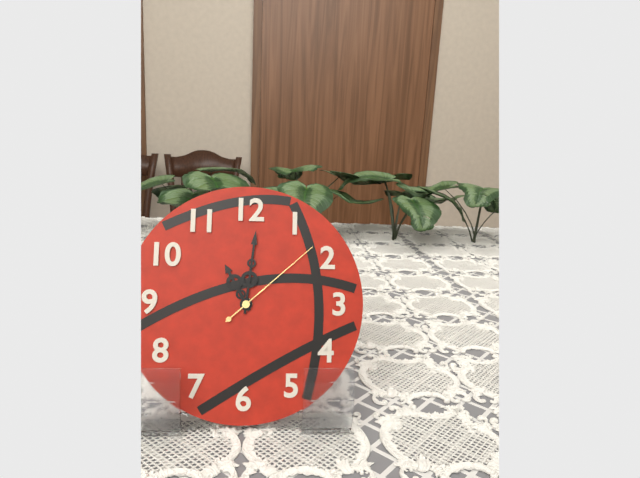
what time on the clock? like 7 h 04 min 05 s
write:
11 h 01 min 08 s
